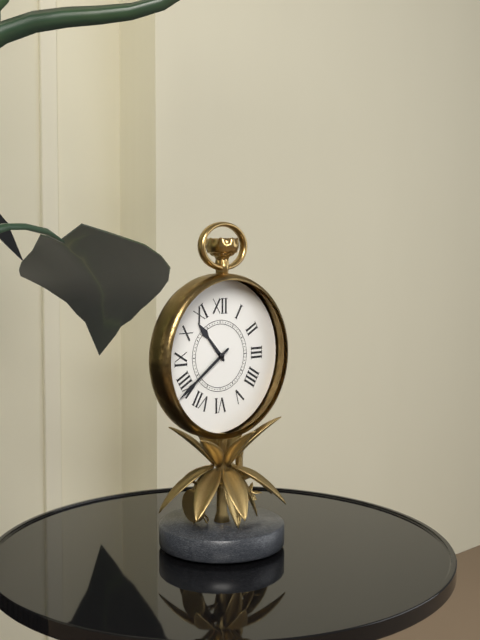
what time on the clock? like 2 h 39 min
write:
10 h 39 min
